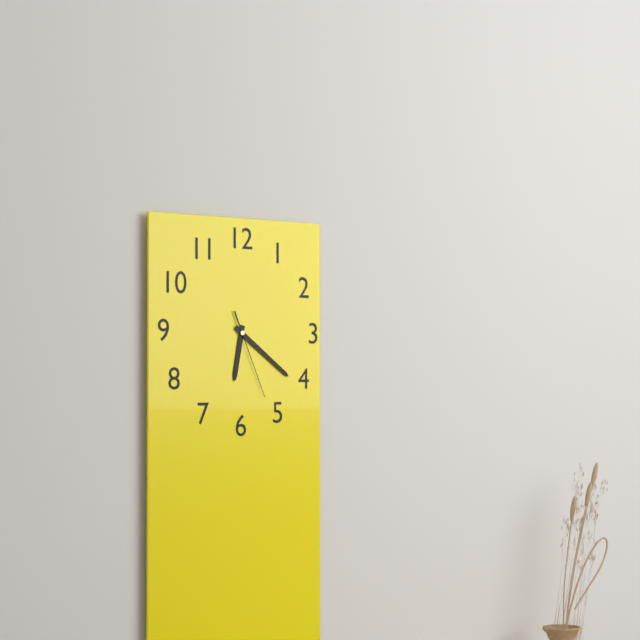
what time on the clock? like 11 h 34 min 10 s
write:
6 h 21 min 26 s
